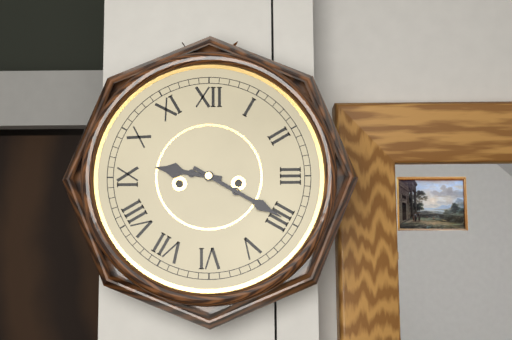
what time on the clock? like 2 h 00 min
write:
9 h 20 min
